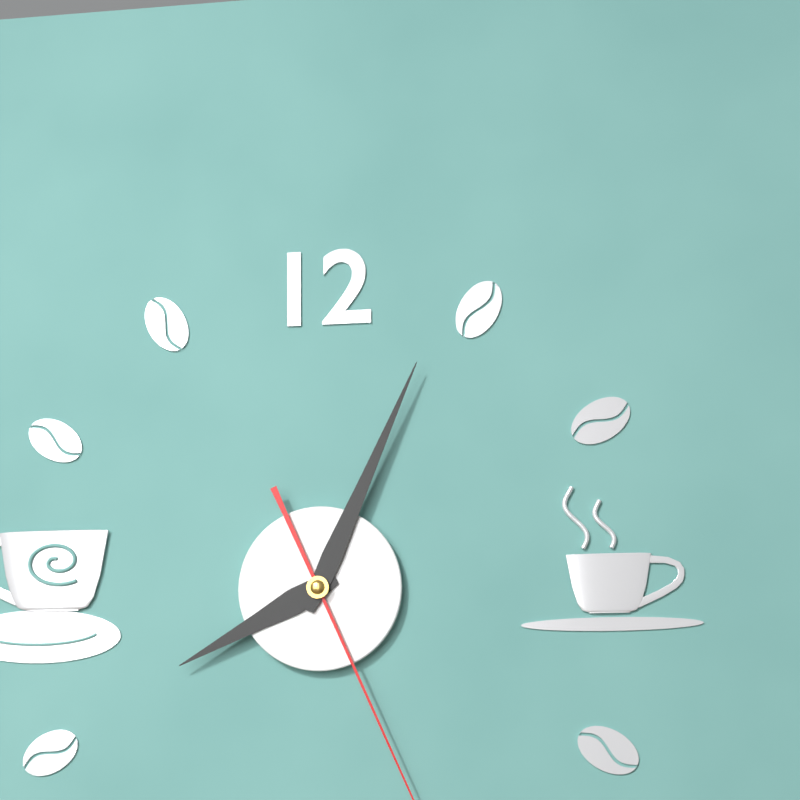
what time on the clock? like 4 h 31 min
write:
8 h 04 min
